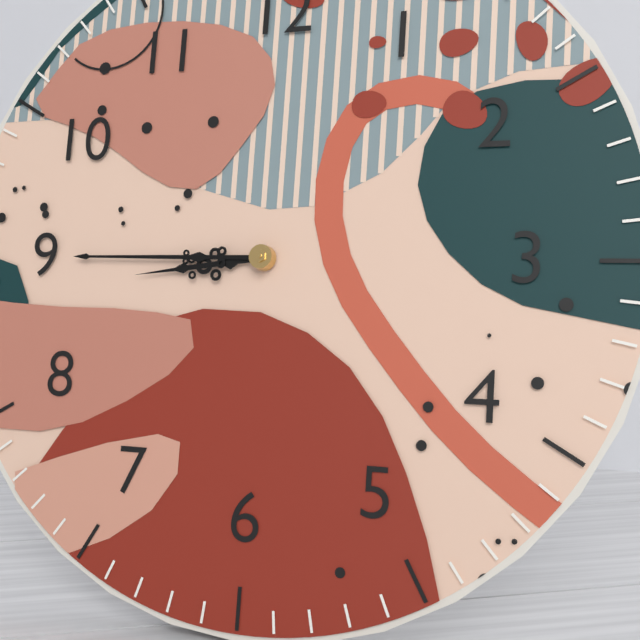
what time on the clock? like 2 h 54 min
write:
8 h 45 min
